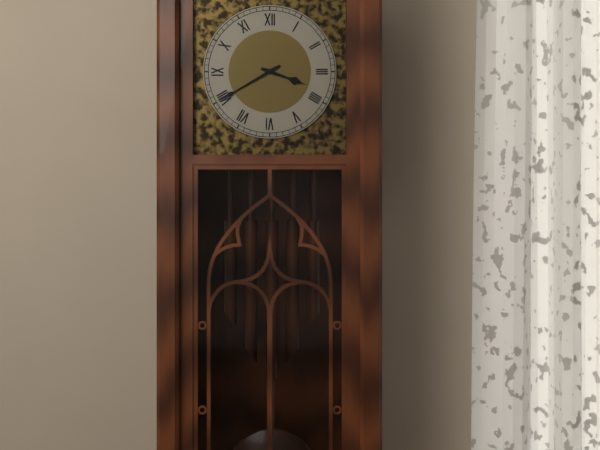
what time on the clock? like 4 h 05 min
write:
3 h 40 min
